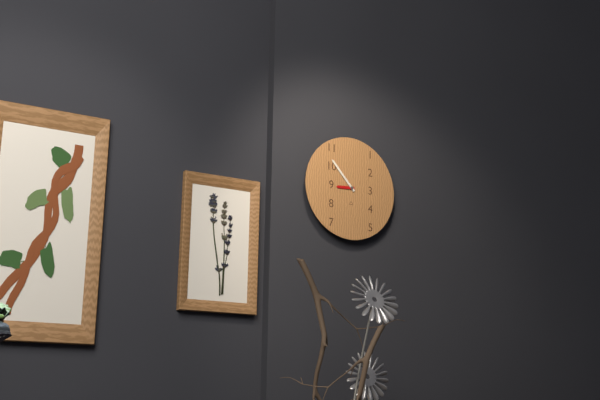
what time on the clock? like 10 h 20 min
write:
8 h 53 min
